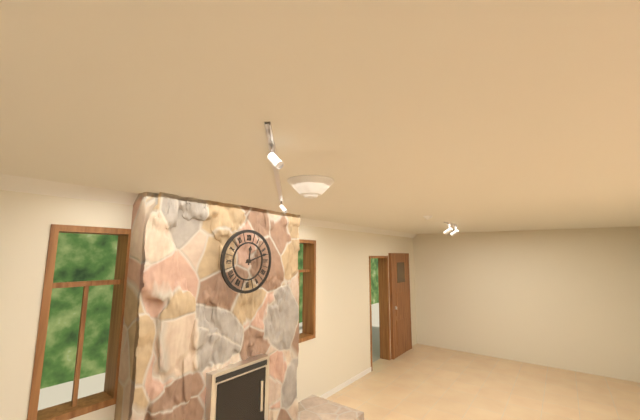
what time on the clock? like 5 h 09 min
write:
12 h 12 min
